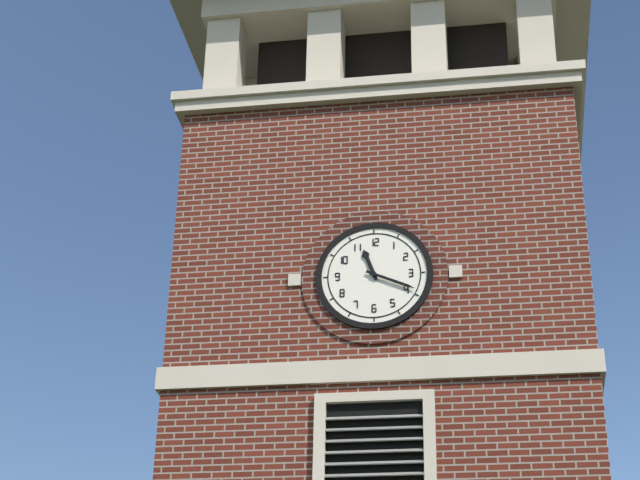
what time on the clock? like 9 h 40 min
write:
11 h 19 min
